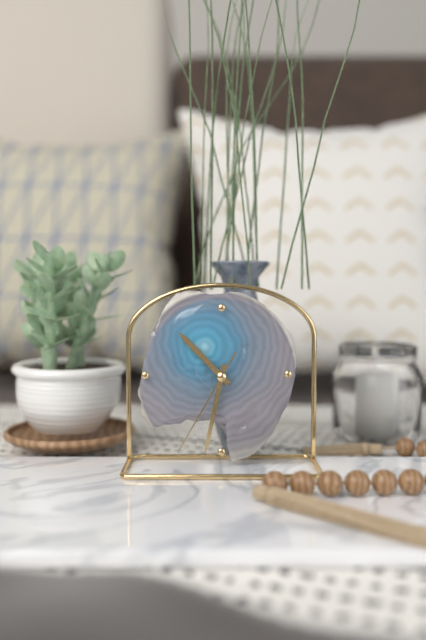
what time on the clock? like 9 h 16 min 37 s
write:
10 h 32 min 35 s
